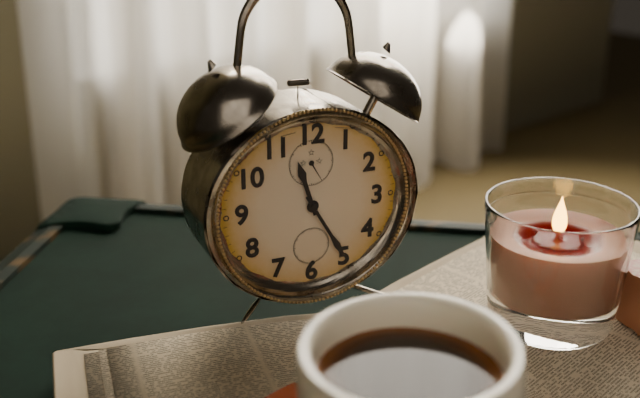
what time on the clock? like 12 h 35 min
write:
11 h 25 min
